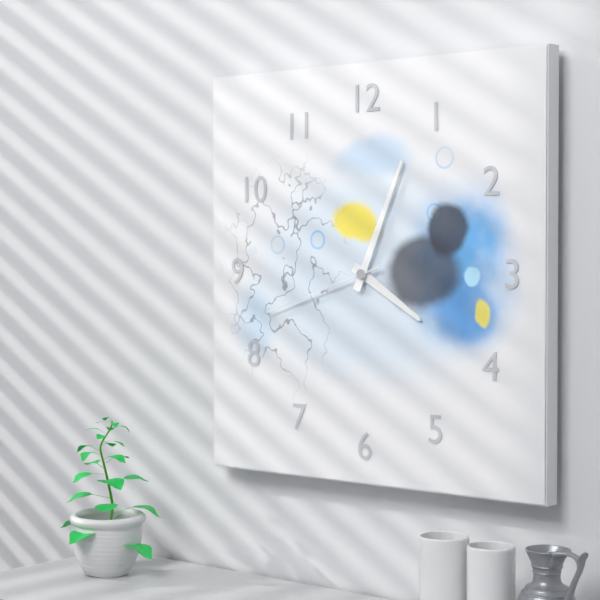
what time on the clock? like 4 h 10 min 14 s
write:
4 h 04 min 42 s
